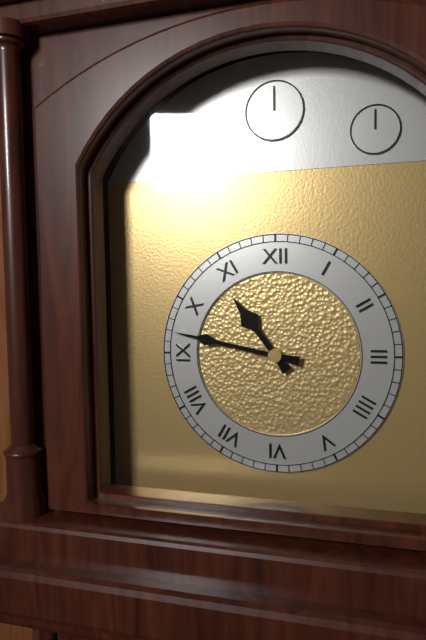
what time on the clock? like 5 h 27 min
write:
10 h 47 min
